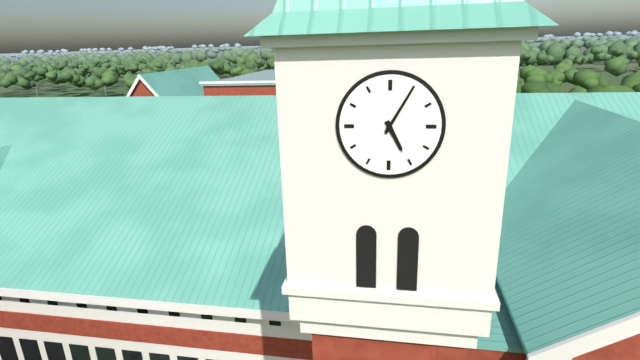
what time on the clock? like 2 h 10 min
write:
5 h 05 min
